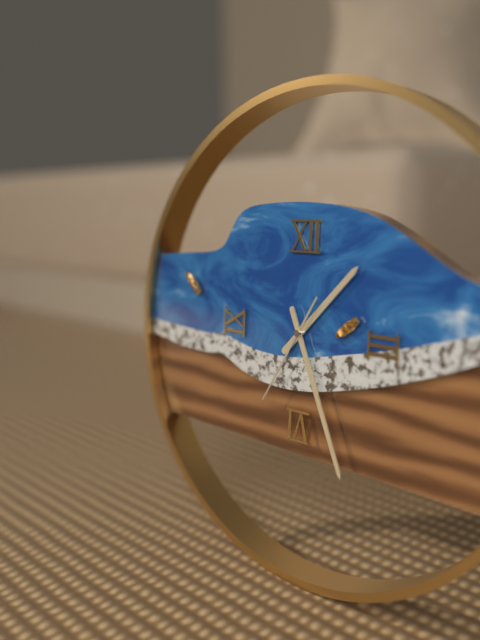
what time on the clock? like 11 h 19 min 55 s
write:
1 h 26 min 35 s
